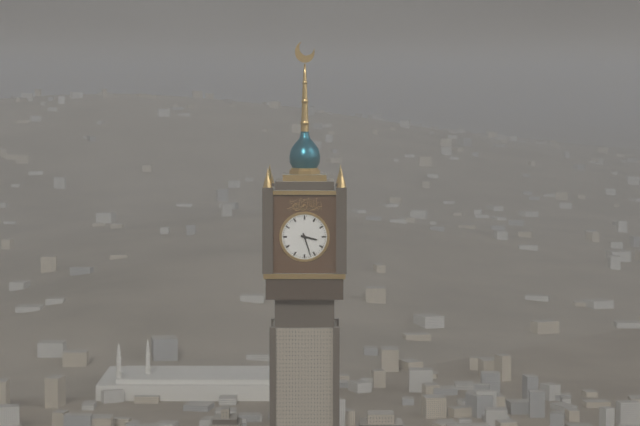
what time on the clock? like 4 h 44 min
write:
3 h 27 min
